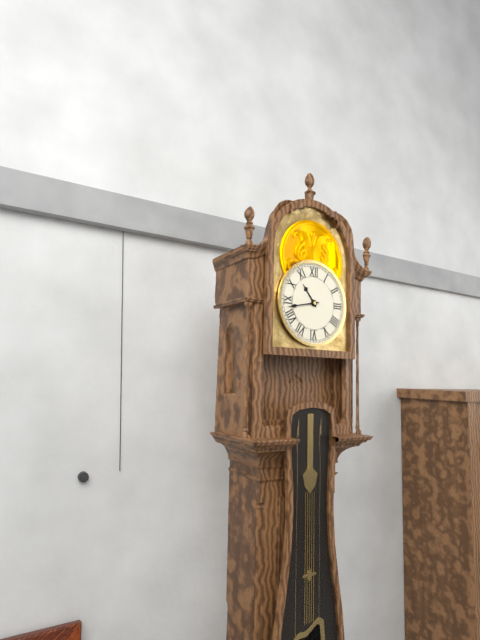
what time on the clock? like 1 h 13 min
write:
10 h 43 min
